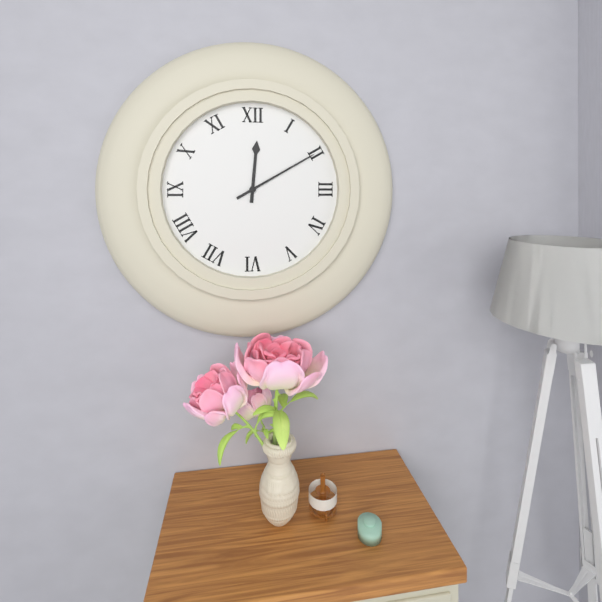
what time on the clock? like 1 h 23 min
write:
12 h 10 min
